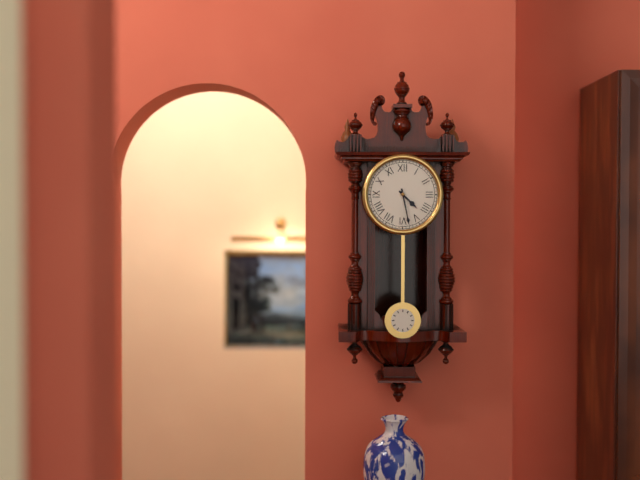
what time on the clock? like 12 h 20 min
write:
4 h 28 min
